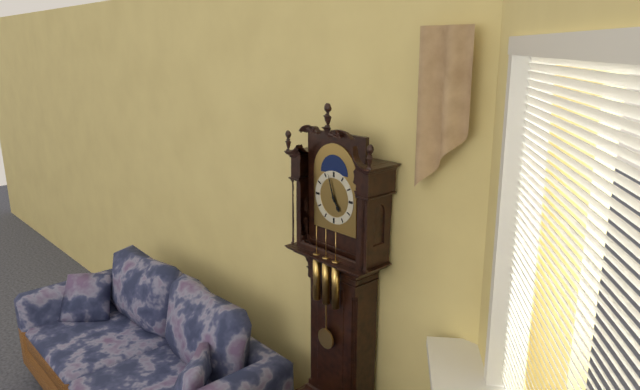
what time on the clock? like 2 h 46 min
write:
4 h 57 min
